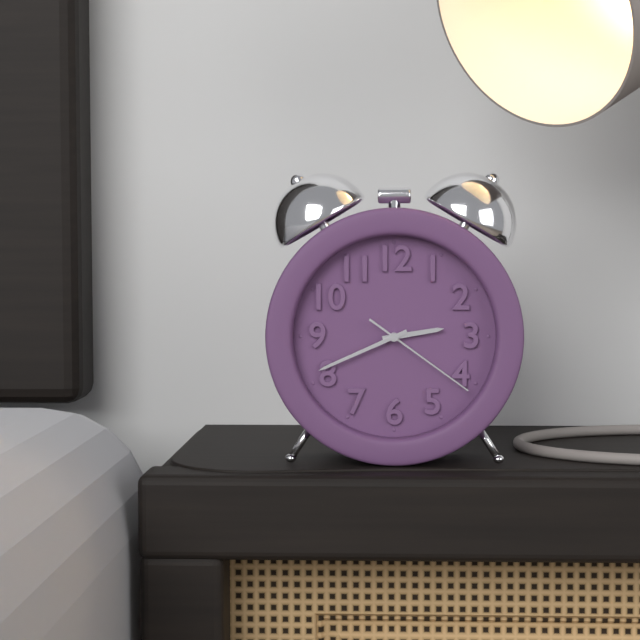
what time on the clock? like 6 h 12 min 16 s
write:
2 h 41 min 21 s
